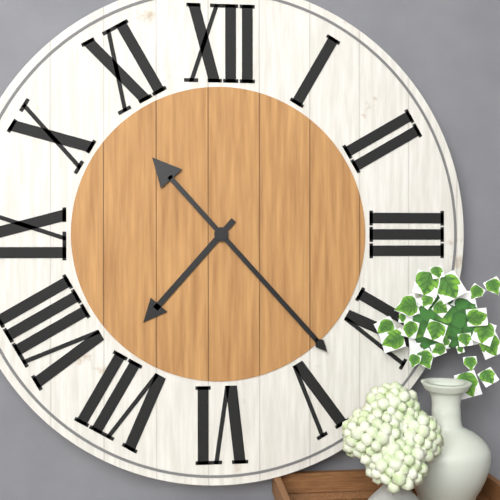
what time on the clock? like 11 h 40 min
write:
7 h 23 min
